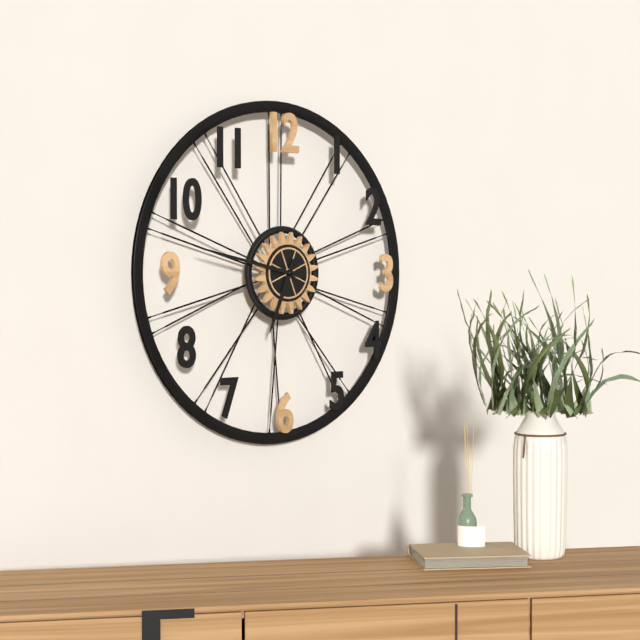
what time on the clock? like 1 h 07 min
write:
6 h 47 min
